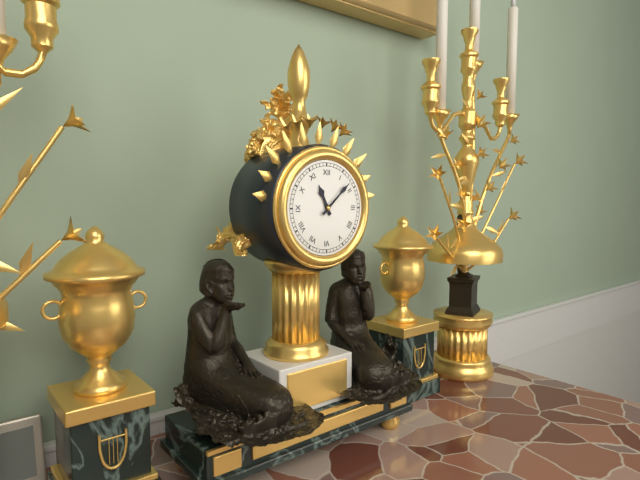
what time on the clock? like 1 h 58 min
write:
11 h 08 min
